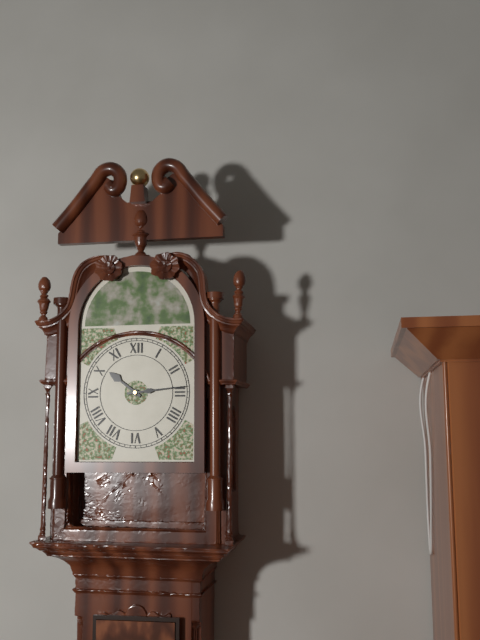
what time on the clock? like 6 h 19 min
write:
10 h 14 min
